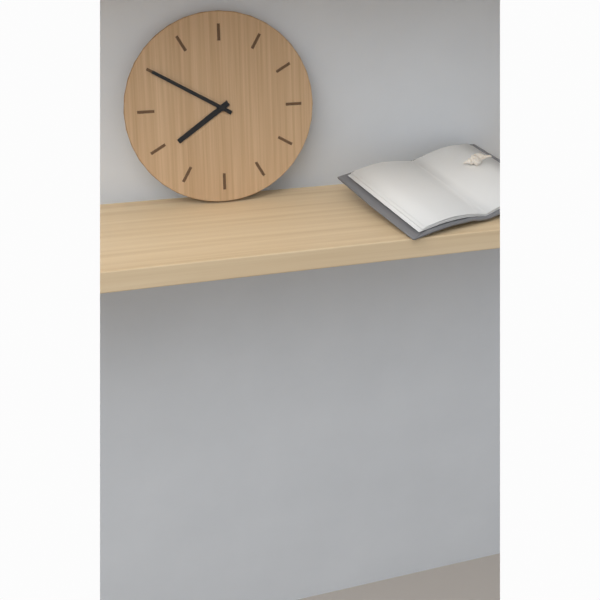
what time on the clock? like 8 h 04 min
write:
7 h 50 min
